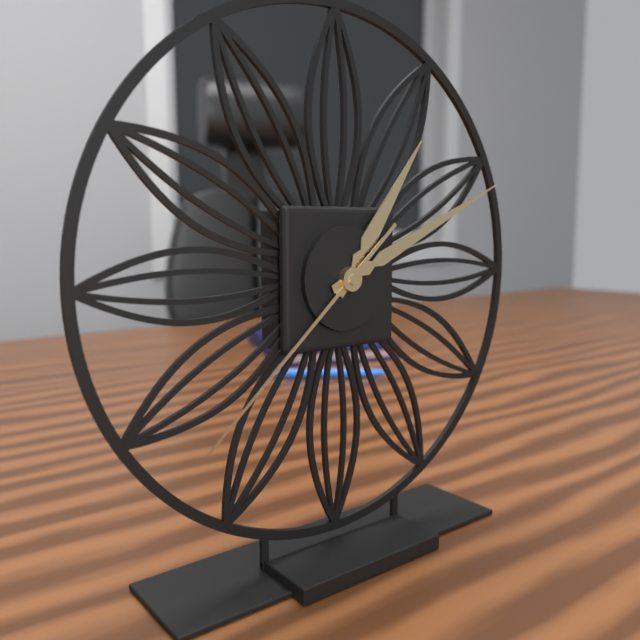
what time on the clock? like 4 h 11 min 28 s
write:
1 h 11 min 38 s
